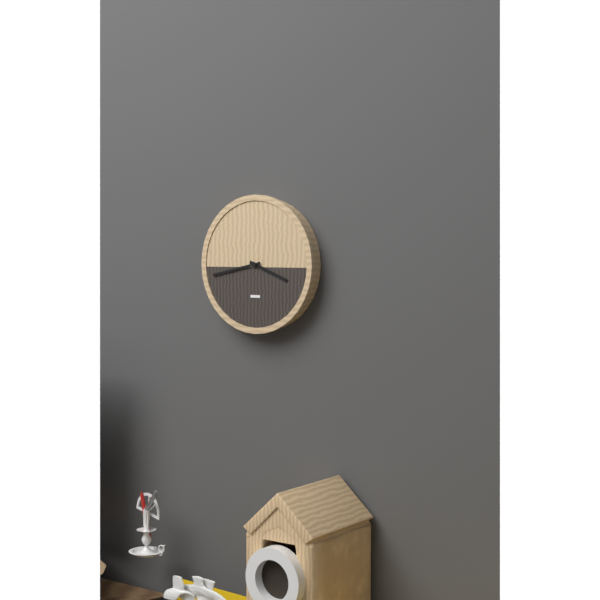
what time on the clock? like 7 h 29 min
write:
3 h 43 min
